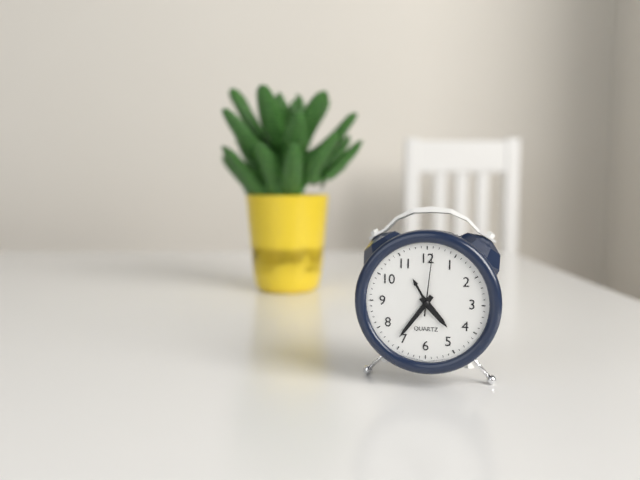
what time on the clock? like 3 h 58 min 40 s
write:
4 h 36 min 01 s
